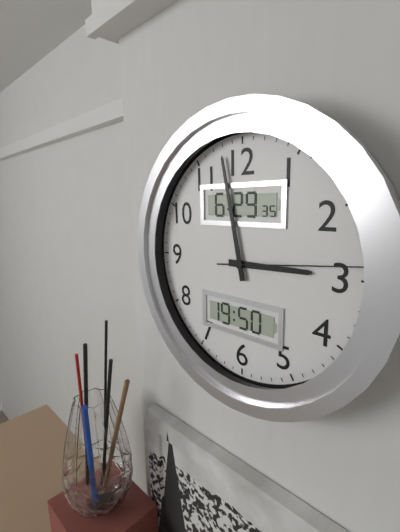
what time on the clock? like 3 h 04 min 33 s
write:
2 h 58 min 14 s
